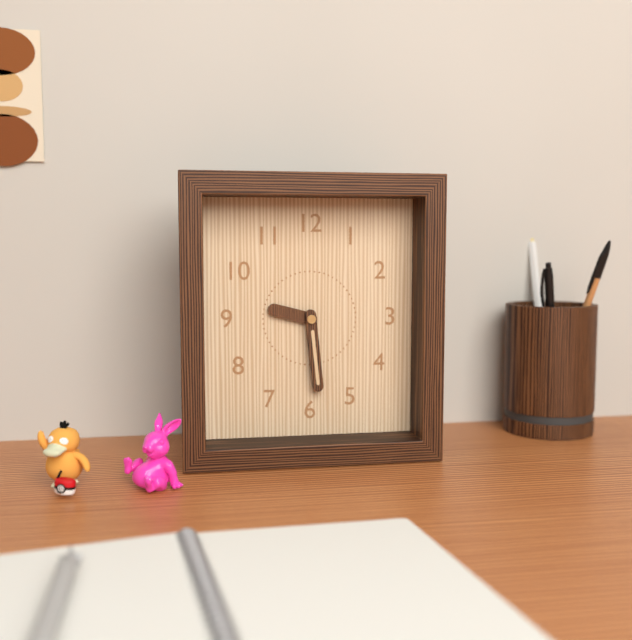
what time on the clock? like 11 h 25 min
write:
9 h 29 min
